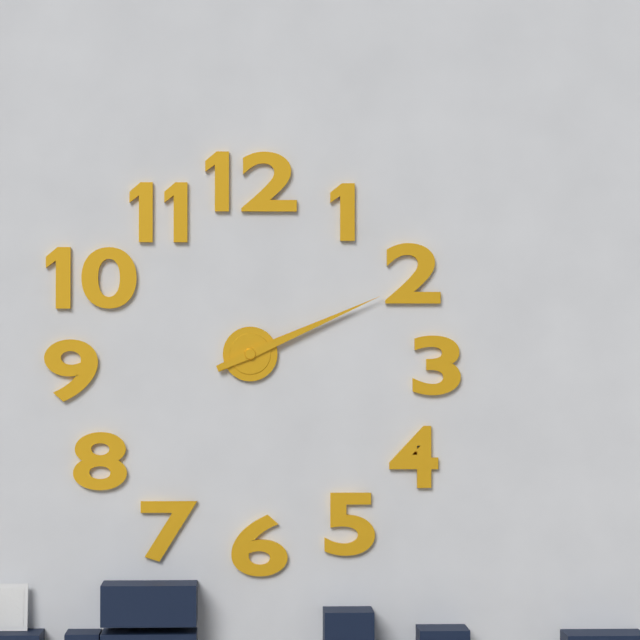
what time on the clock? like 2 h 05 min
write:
2 h 11 min
